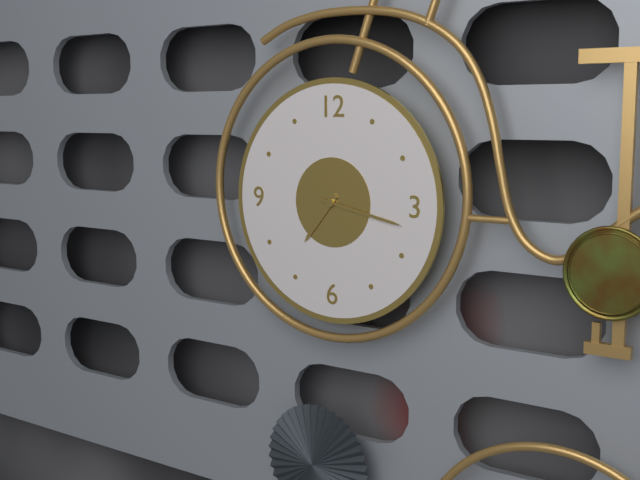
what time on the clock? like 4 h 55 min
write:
7 h 17 min
